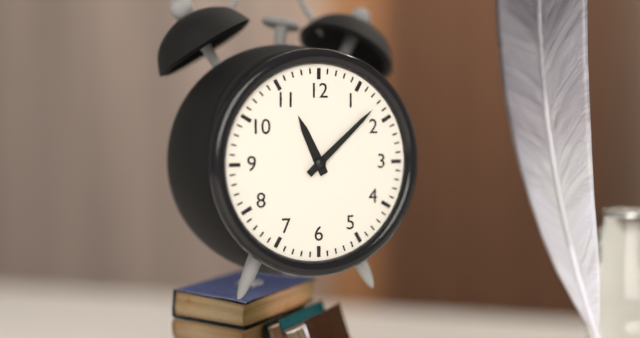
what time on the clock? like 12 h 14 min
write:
11 h 08 min
